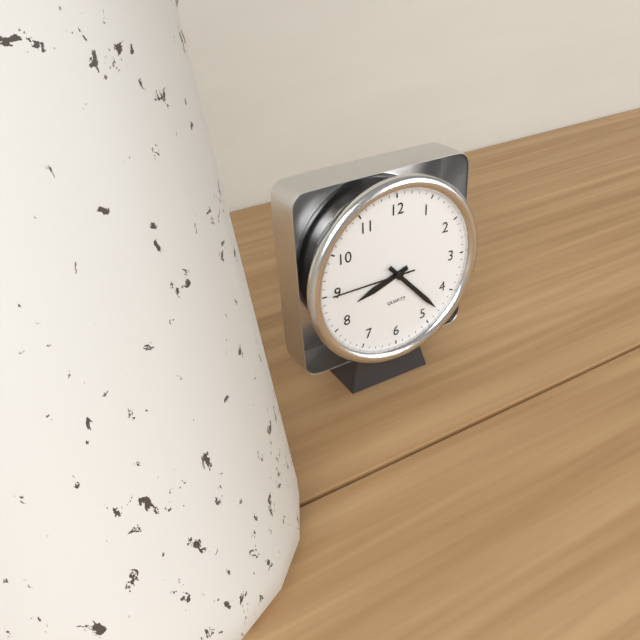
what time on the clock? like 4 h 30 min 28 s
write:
8 h 23 min 45 s
